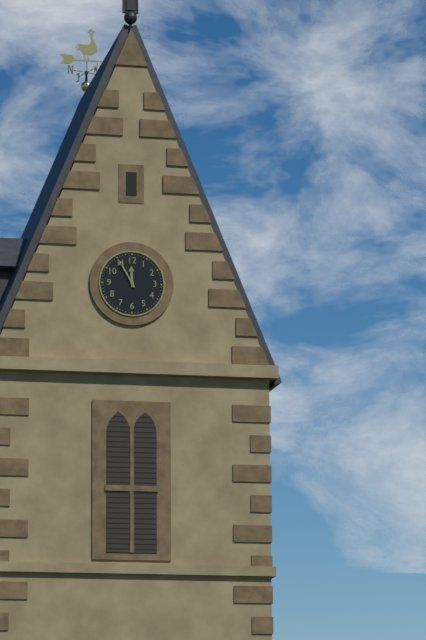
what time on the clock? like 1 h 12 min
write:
11 h 55 min
